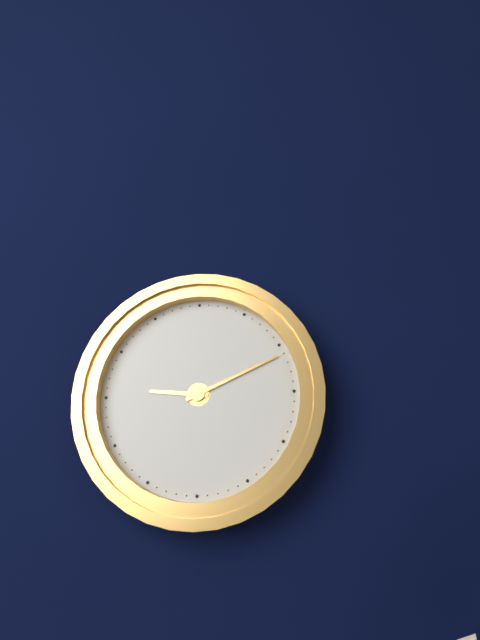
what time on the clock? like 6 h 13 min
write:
9 h 11 min
